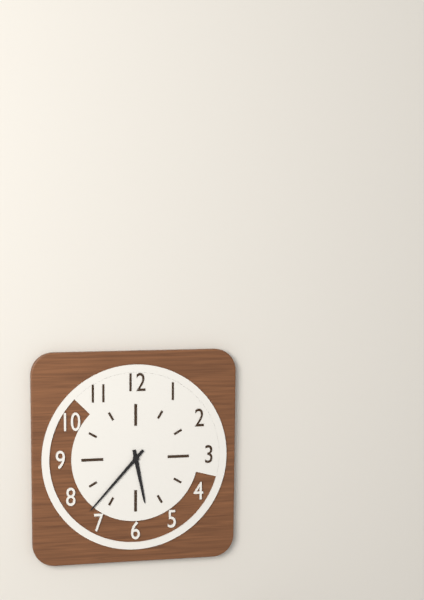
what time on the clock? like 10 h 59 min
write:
5 h 37 min
